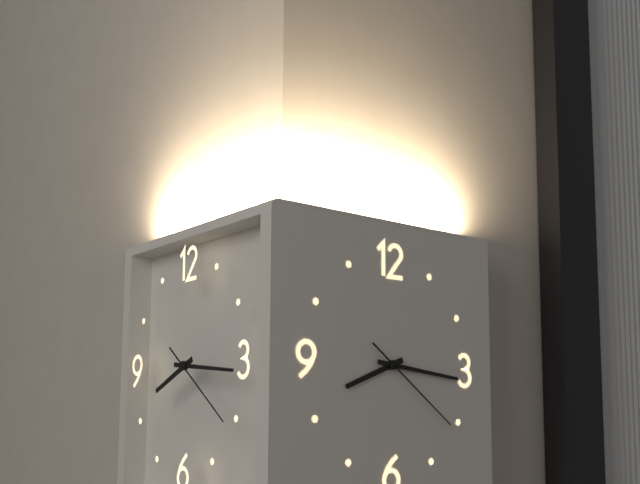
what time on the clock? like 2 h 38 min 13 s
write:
8 h 16 min 21 s
